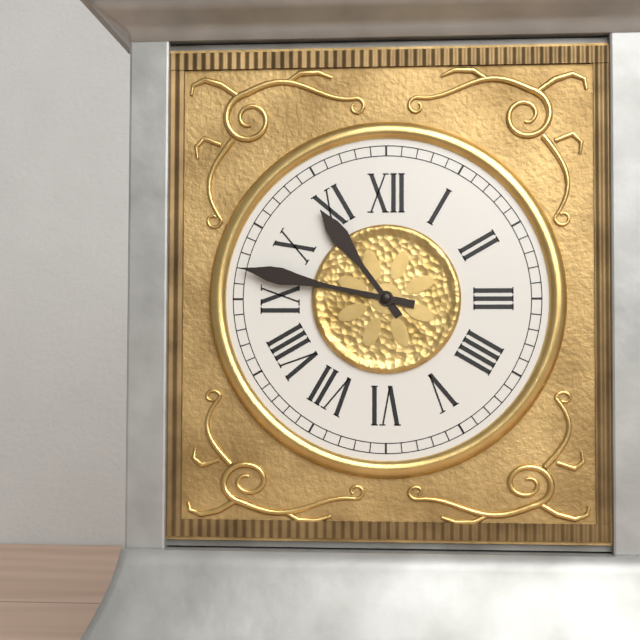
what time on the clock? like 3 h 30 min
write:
10 h 47 min
